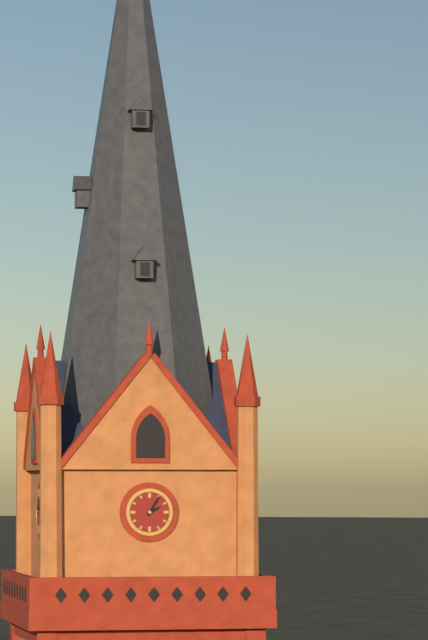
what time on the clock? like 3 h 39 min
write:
2 h 05 min
